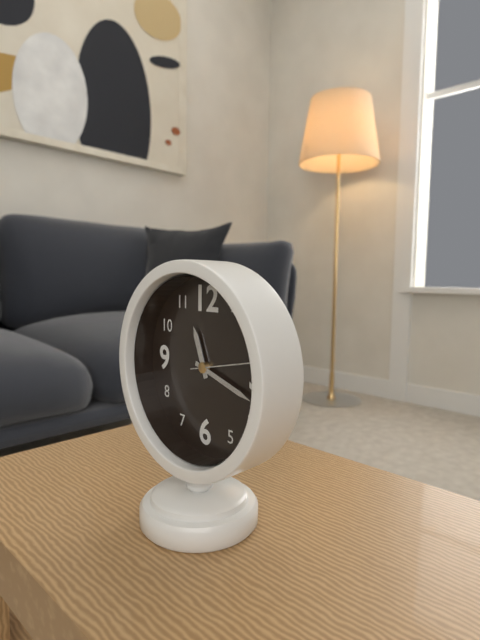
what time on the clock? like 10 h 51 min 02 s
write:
11 h 18 min 13 s
